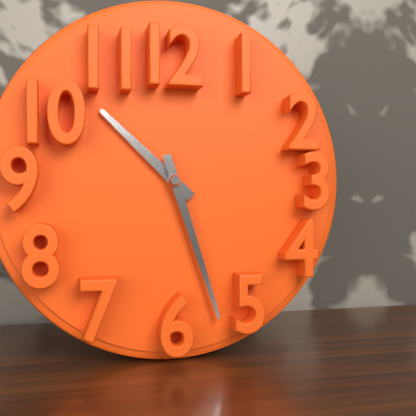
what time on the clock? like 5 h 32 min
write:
10 h 27 min
